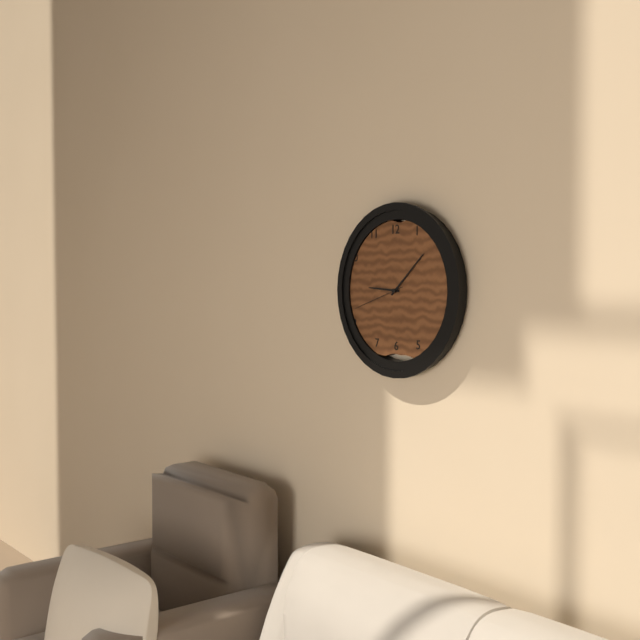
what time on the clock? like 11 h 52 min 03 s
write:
9 h 08 min 42 s
